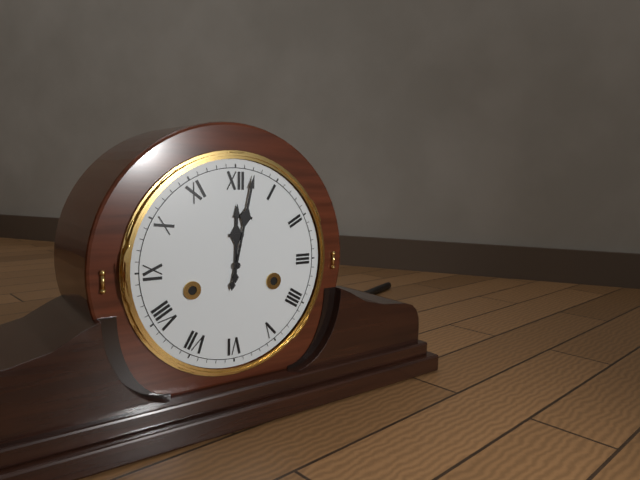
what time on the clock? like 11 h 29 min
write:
12 h 02 min
